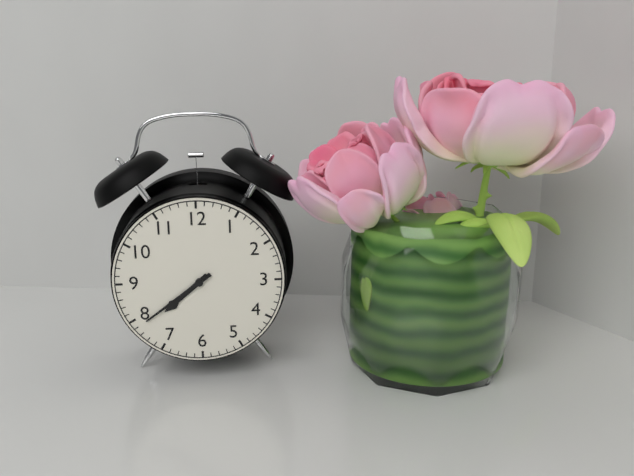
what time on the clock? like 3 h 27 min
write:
7 h 39 min
